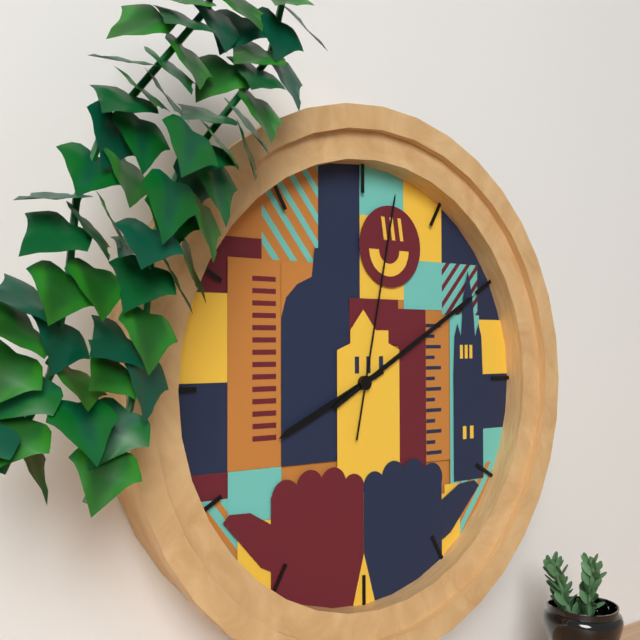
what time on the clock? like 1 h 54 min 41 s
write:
8 h 10 min 02 s
